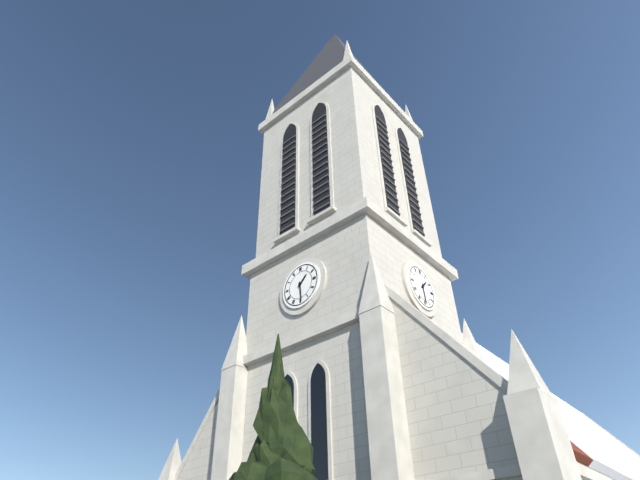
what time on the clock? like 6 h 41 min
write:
1 h 29 min
